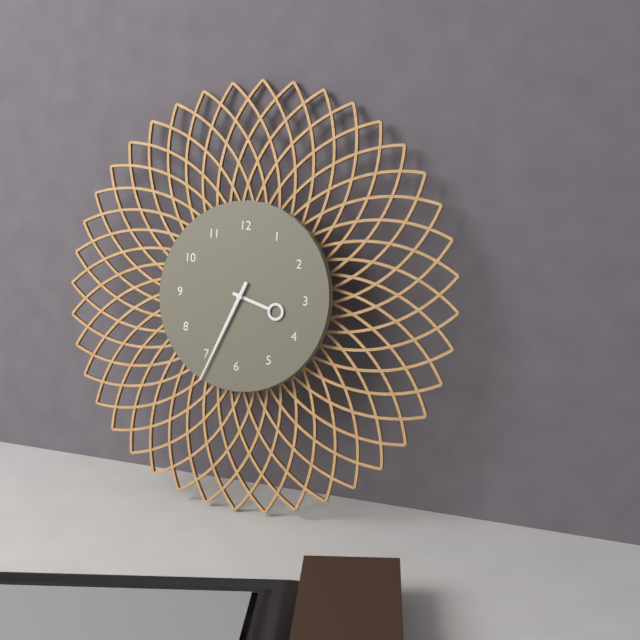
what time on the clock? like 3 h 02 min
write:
3 h 34 min
